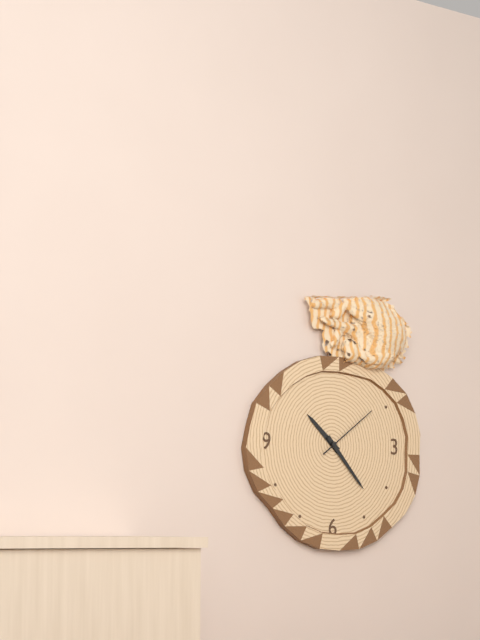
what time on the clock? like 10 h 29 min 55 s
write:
10 h 23 min 09 s
